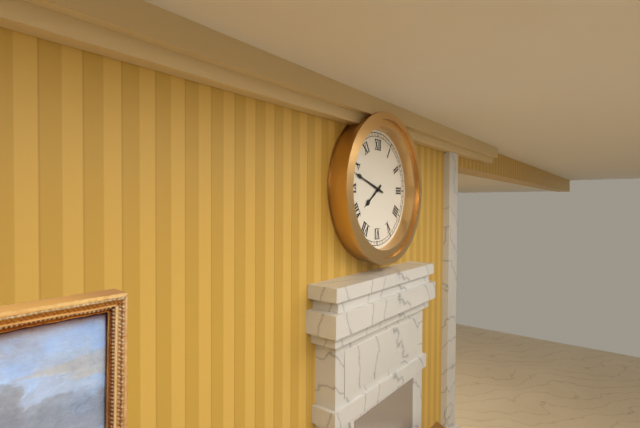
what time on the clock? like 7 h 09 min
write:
7 h 48 min
